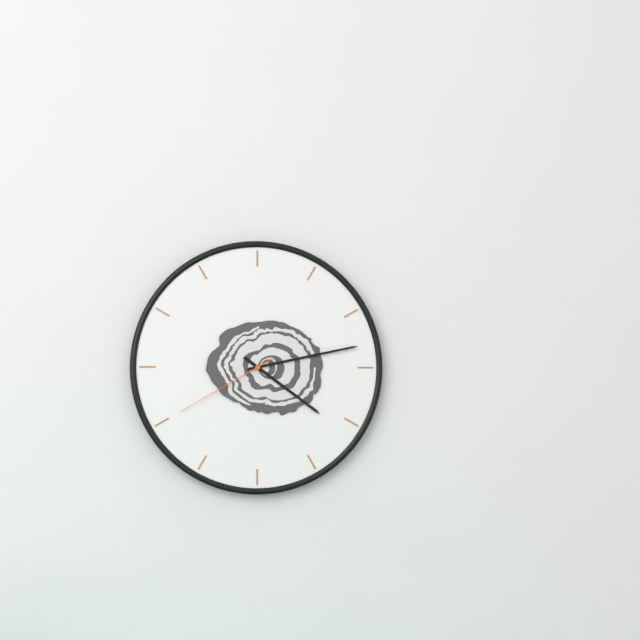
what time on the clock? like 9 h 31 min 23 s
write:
4 h 13 min 40 s
